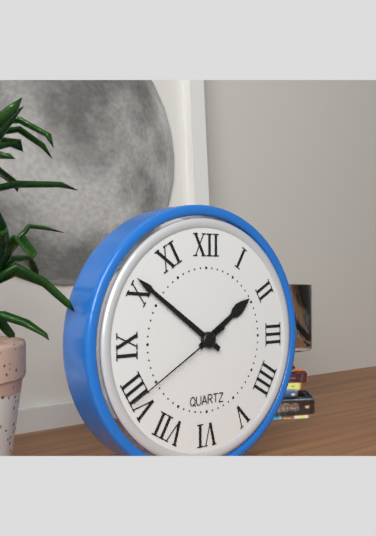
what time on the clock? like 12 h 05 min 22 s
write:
1 h 51 min 40 s
